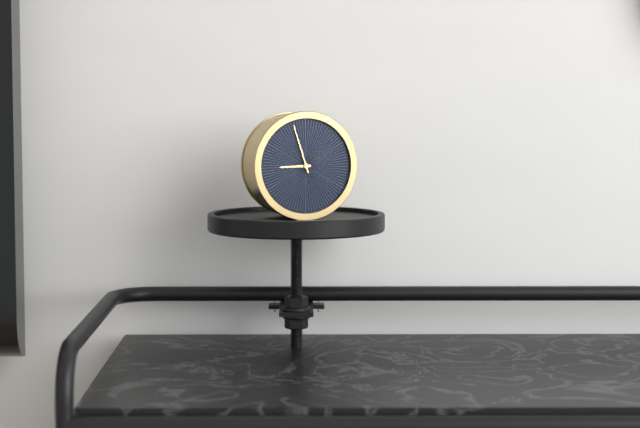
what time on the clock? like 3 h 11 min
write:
8 h 57 min
